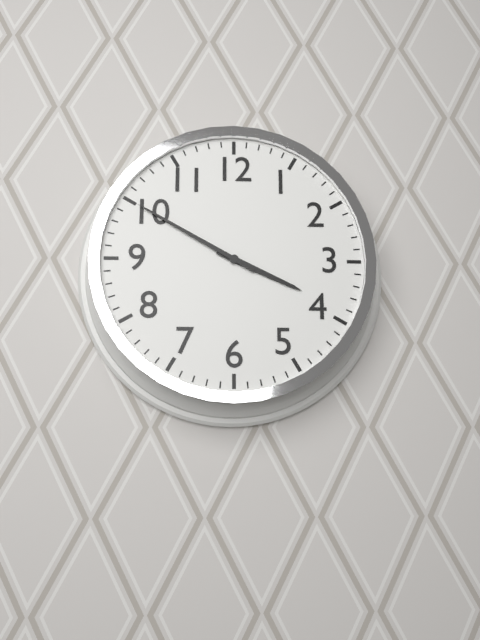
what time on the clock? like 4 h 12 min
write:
3 h 50 min
